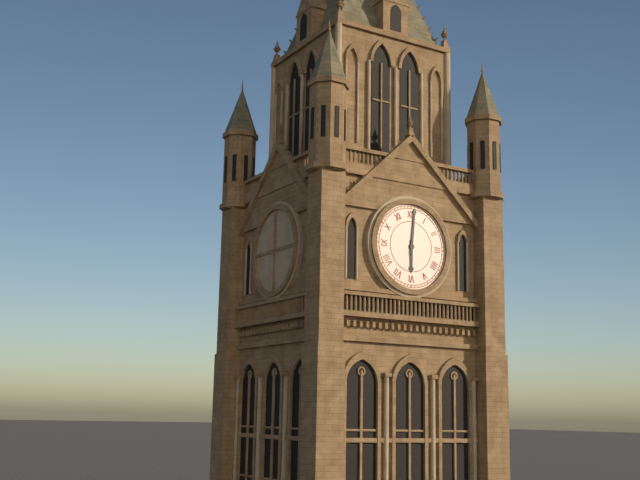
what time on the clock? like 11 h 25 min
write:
6 h 01 min
